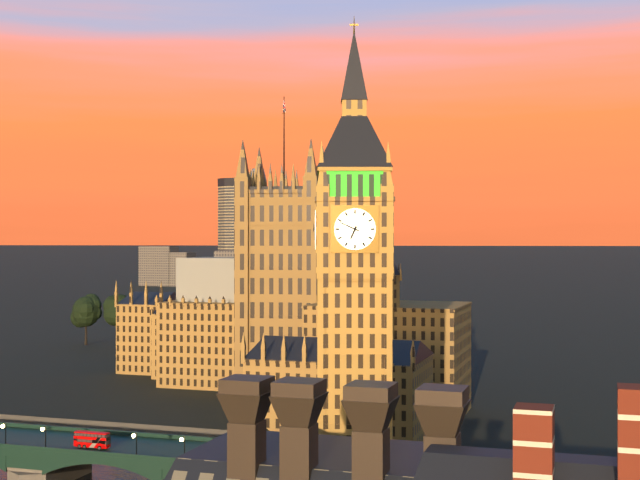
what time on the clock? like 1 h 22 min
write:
6 h 49 min
